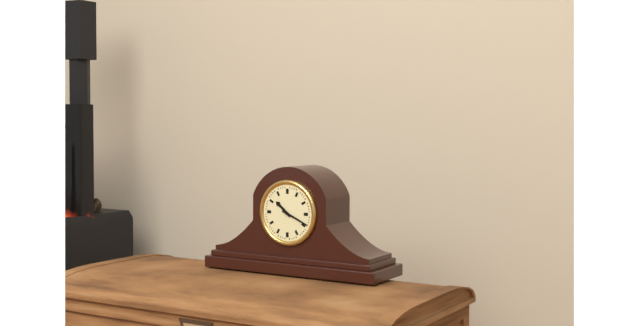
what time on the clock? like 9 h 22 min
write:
10 h 19 min
